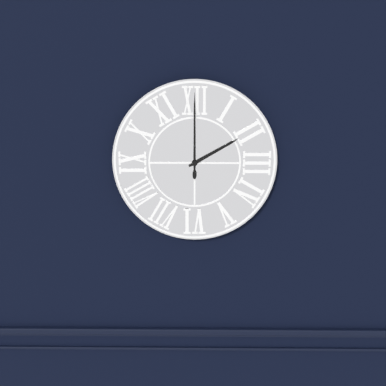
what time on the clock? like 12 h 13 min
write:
2 h 00 min
